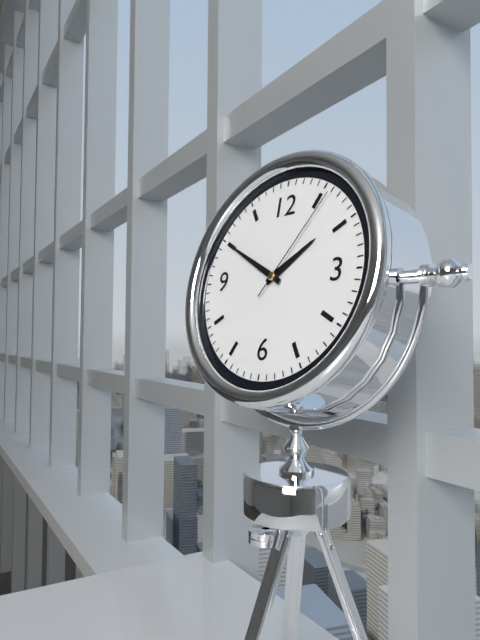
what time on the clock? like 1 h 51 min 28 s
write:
1 h 50 min 06 s
